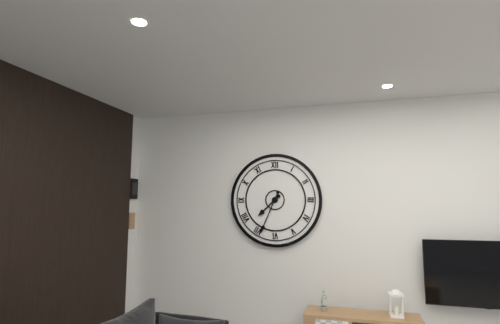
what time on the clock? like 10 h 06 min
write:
7 h 34 min
